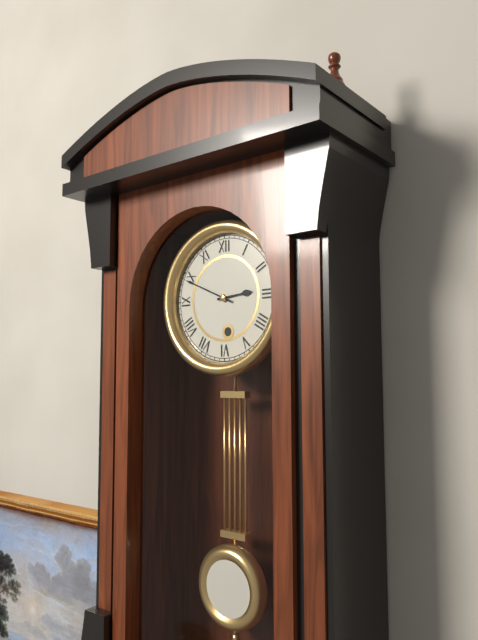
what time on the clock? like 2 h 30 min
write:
2 h 49 min
